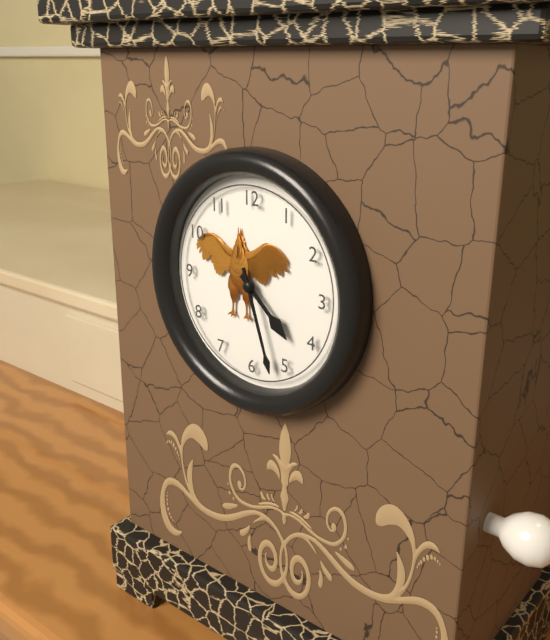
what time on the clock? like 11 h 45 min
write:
4 h 27 min
